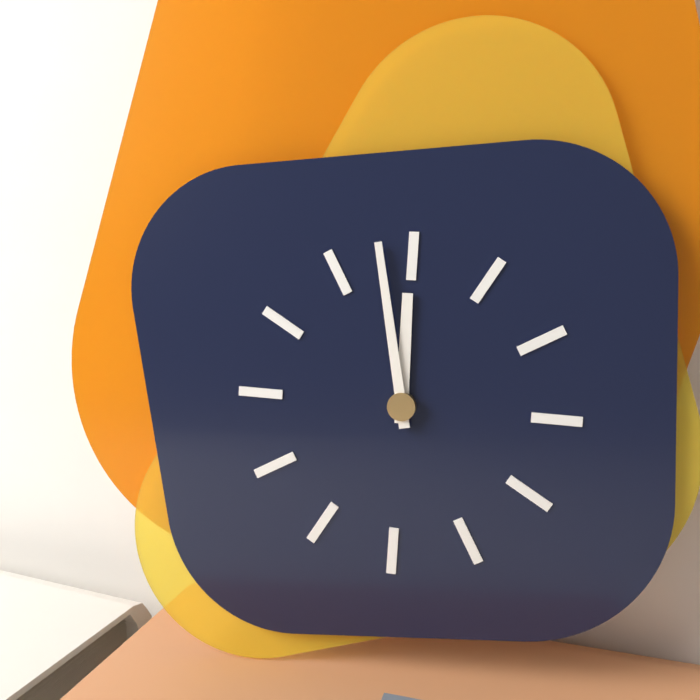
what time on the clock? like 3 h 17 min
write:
11 h 58 min
